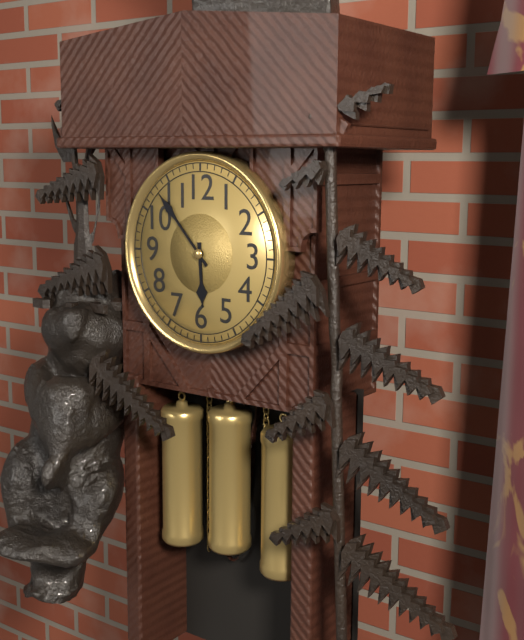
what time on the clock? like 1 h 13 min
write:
5 h 53 min
